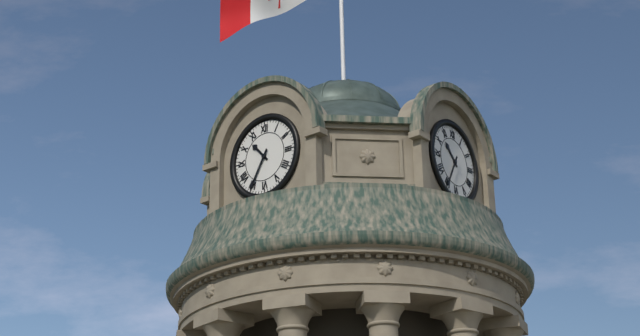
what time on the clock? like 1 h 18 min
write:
10 h 35 min
